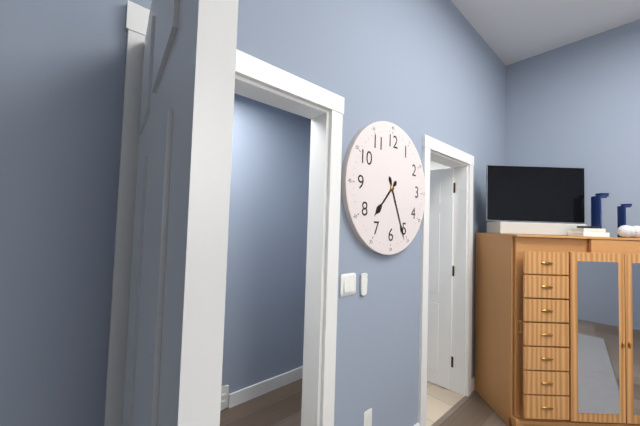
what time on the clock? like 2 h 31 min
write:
7 h 26 min
